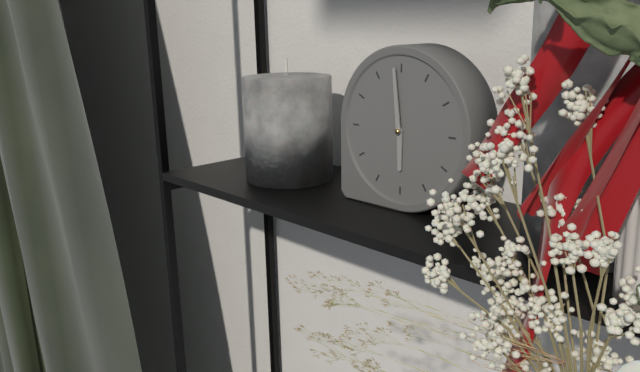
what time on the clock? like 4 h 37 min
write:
5 h 59 min
